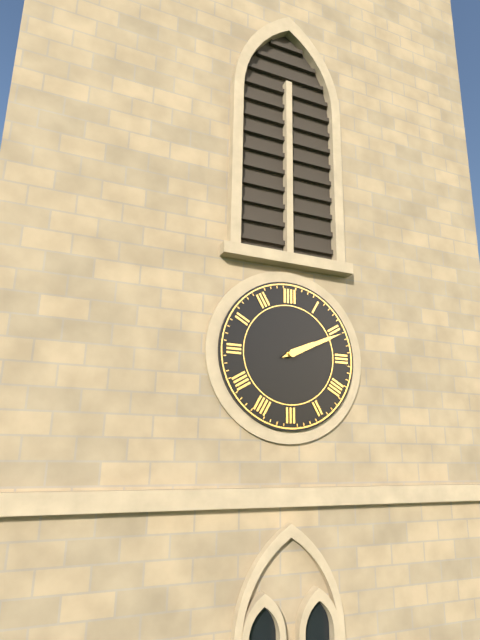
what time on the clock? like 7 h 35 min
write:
2 h 11 min
